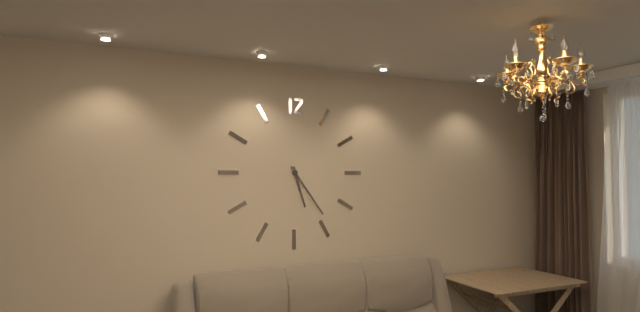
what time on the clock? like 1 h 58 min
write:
5 h 24 min
